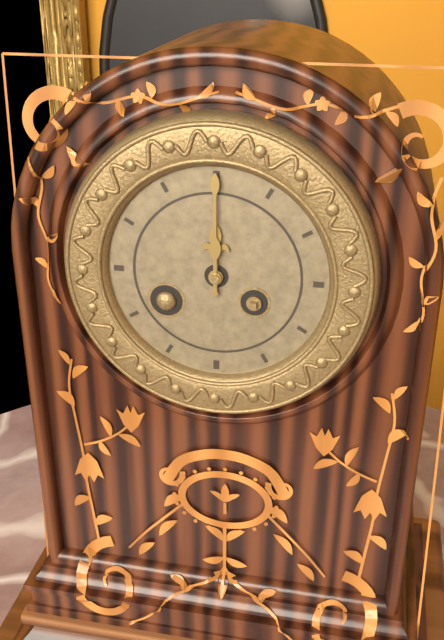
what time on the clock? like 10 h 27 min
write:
12 h 00 min
